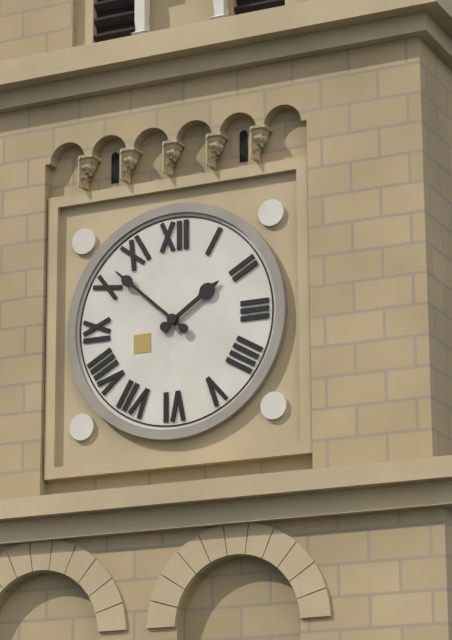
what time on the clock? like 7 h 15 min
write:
1 h 52 min
